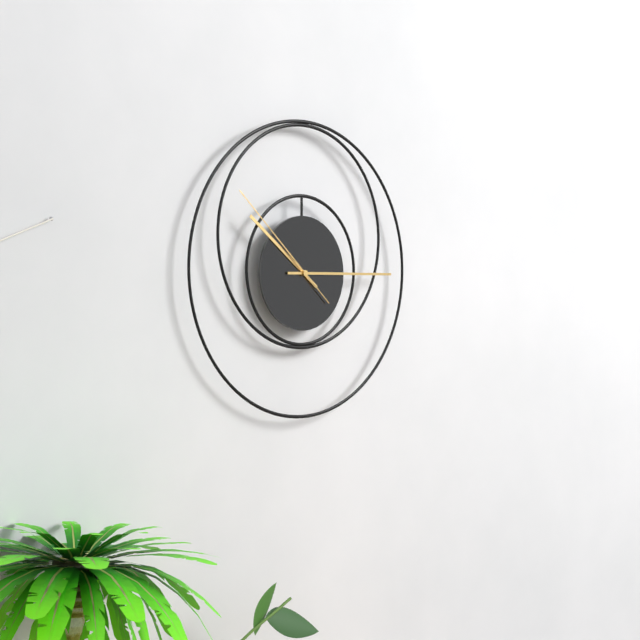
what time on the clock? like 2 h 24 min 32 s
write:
10 h 15 min 52 s
